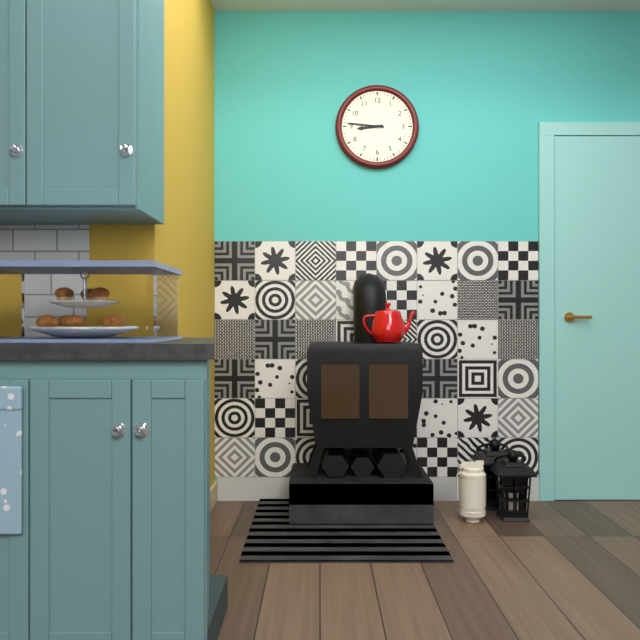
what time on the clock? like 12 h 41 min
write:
8 h 46 min
